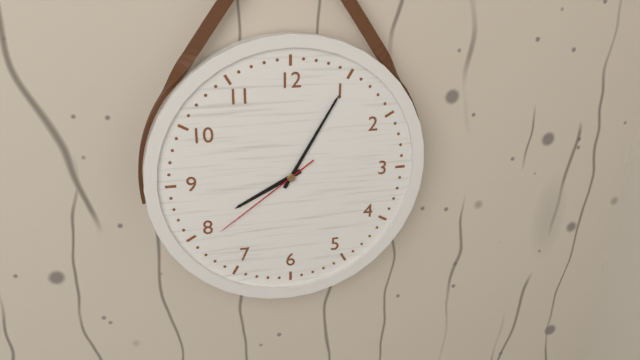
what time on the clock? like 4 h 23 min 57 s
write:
8 h 05 min 39 s
